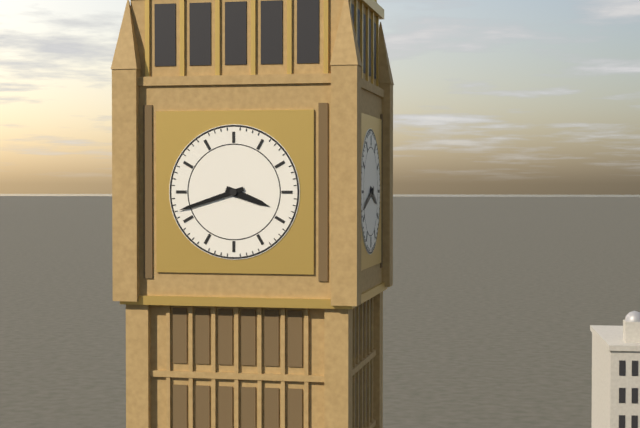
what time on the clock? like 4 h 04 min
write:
3 h 42 min
